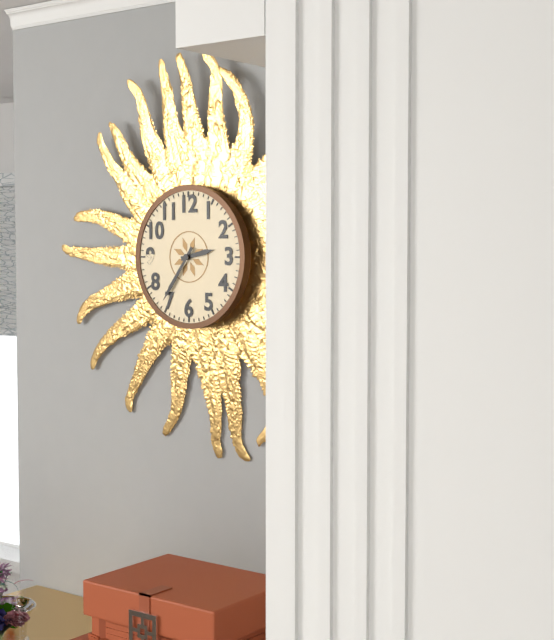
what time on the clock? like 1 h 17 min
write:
2 h 36 min
